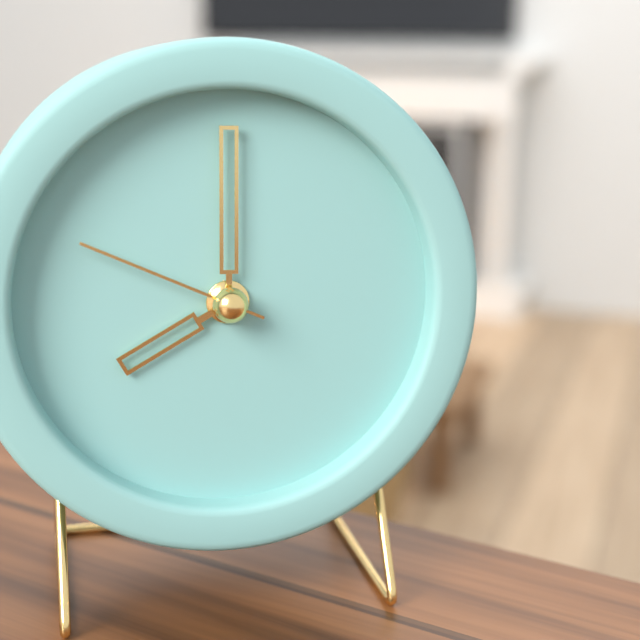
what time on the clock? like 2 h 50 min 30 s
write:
8 h 00 min 49 s
